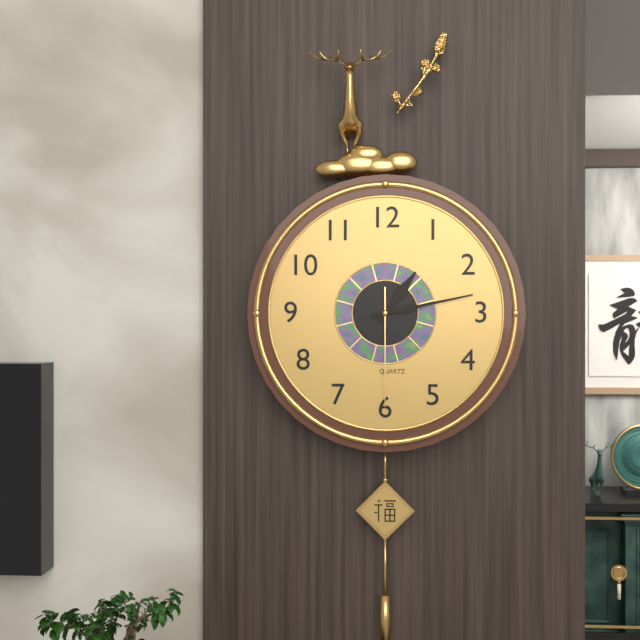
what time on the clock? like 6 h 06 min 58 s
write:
1 h 13 min 30 s
